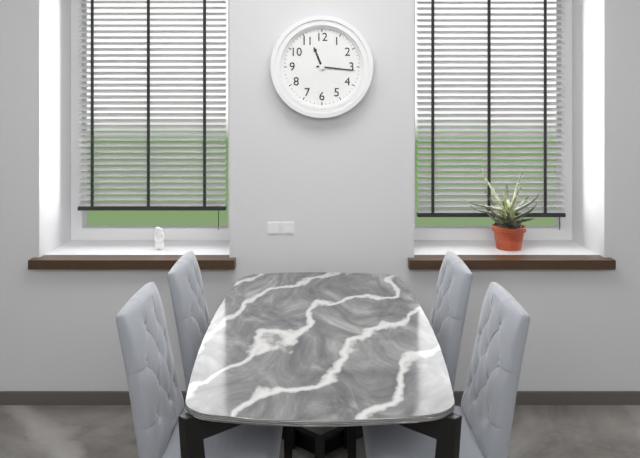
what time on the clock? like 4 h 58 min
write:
11 h 16 min
